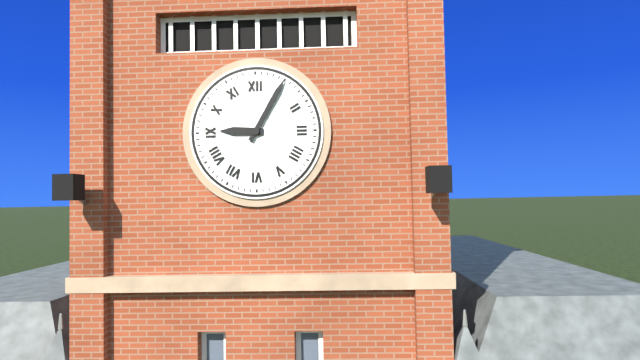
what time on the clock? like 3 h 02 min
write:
9 h 05 min
